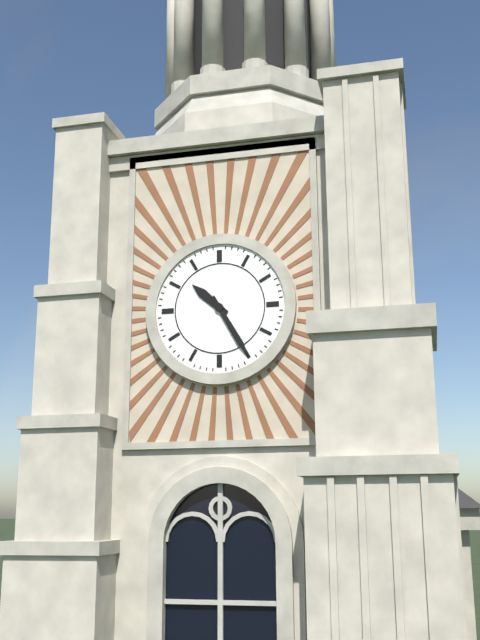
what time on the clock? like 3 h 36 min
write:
10 h 25 min
